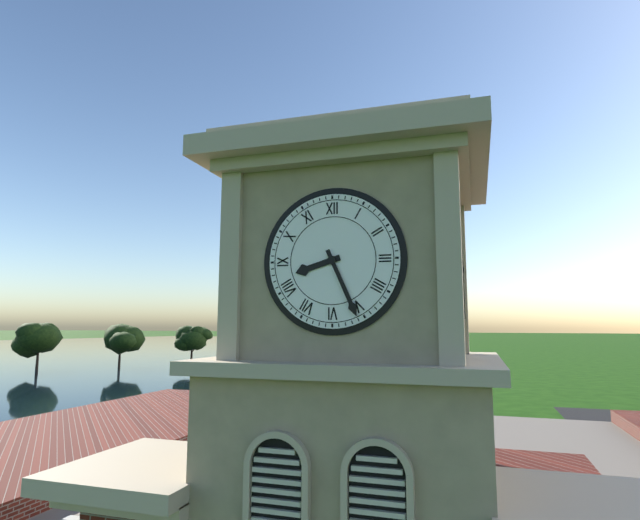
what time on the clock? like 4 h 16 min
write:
8 h 26 min
